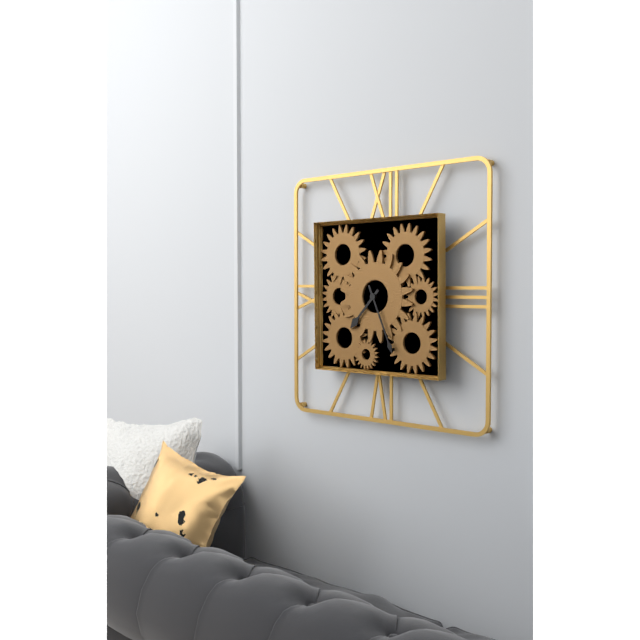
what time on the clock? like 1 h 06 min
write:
7 h 26 min
